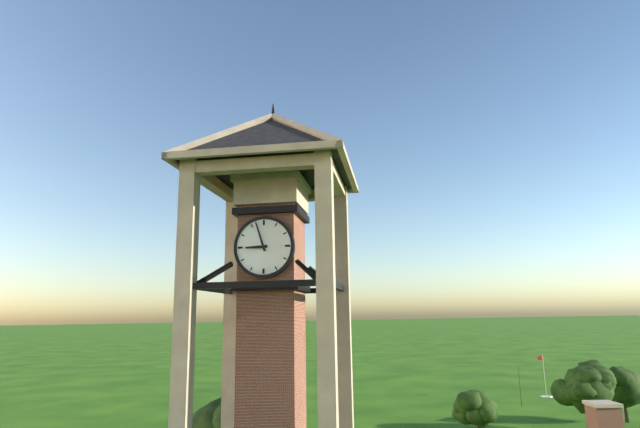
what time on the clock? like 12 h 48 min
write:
8 h 57 min
